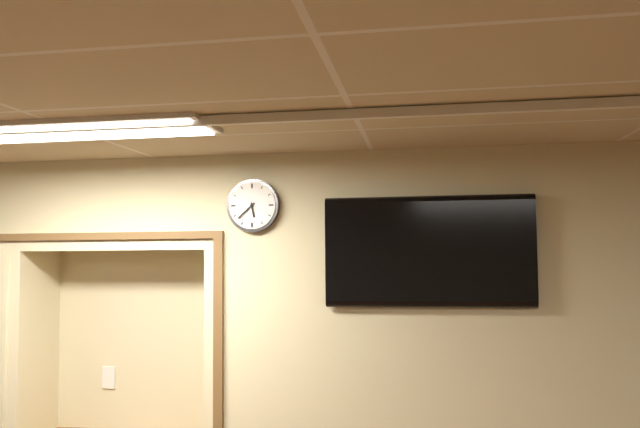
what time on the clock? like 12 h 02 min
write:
5 h 38 min
